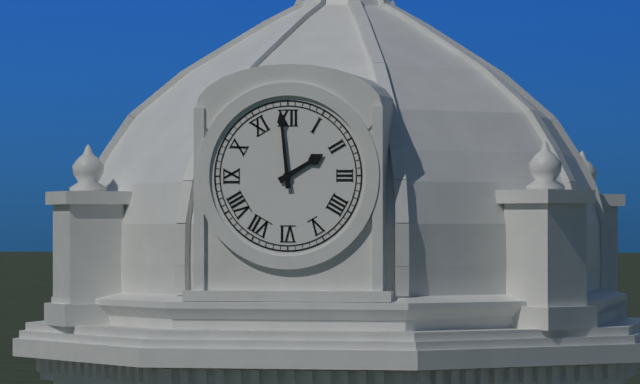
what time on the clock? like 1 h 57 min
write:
1 h 59 min
